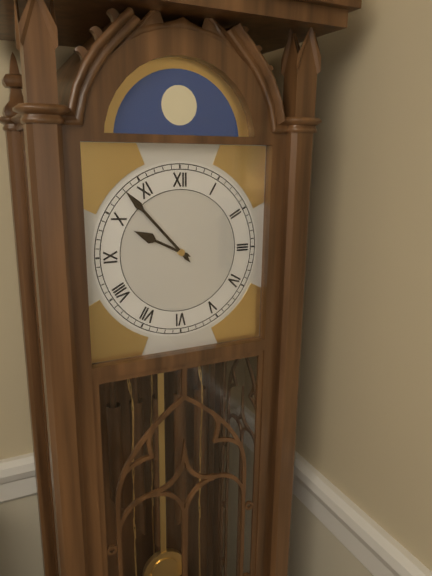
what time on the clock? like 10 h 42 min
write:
9 h 53 min
